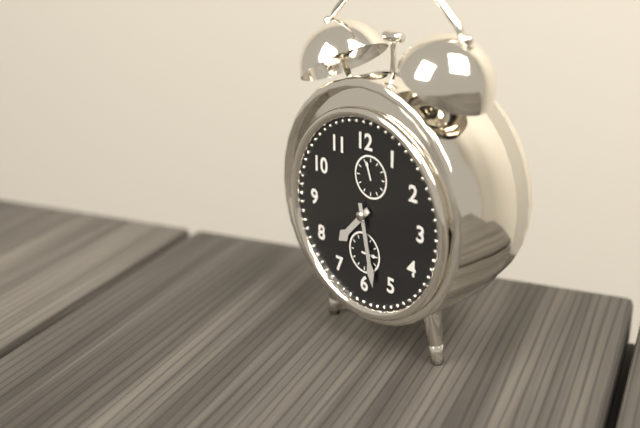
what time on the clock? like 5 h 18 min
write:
7 h 28 min
